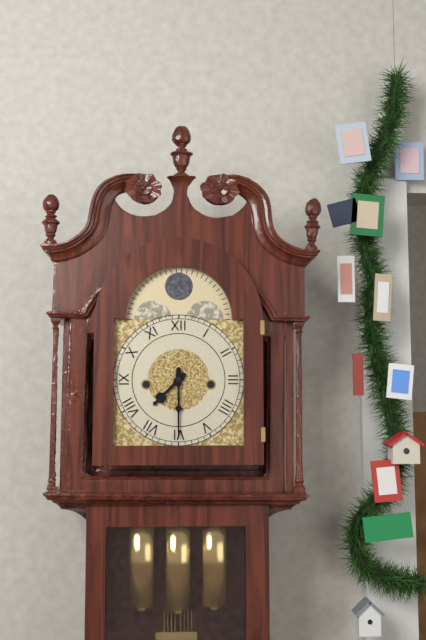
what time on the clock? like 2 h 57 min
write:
7 h 30 min
